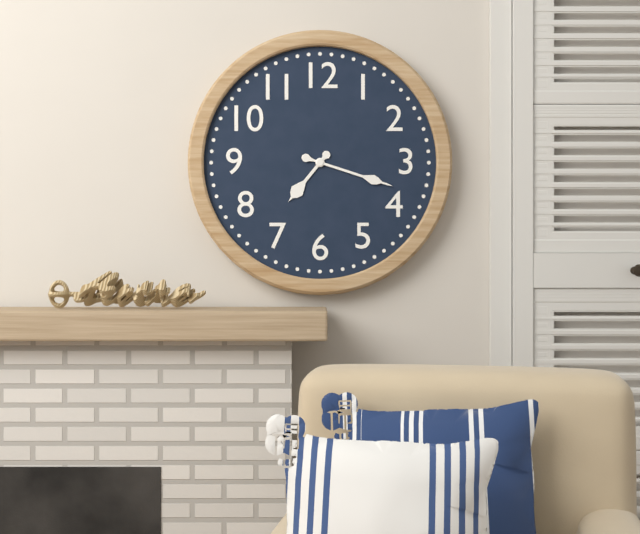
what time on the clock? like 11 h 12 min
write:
7 h 18 min
